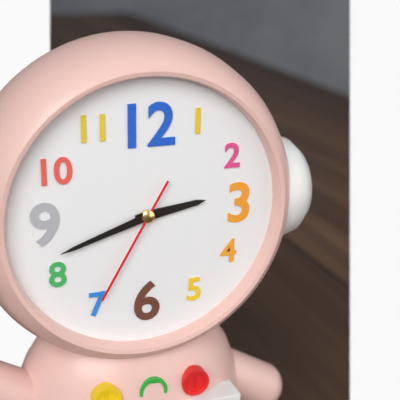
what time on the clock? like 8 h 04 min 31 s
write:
2 h 42 min 35 s
